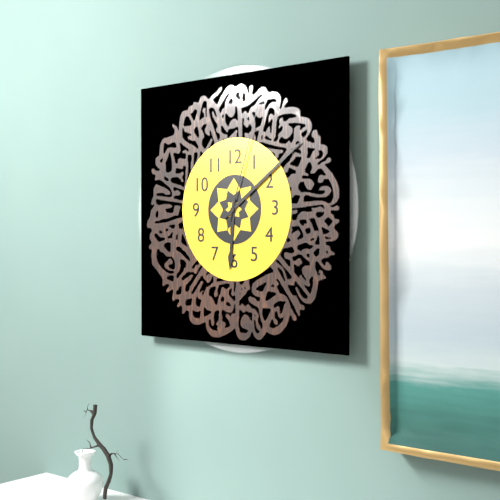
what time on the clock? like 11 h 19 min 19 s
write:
6 h 09 min 03 s
